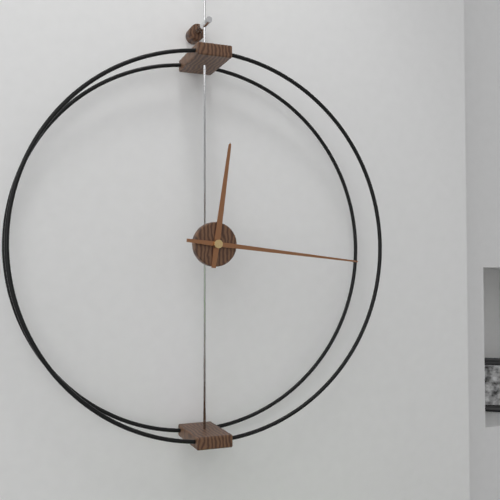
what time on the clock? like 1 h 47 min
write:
12 h 16 min
